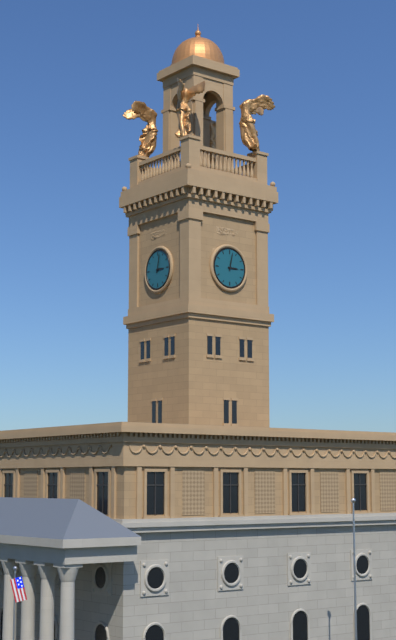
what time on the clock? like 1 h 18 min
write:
3 h 02 min
